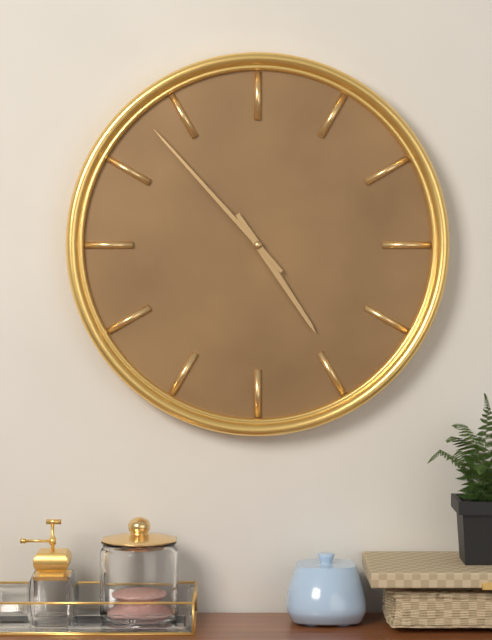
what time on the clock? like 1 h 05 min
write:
4 h 53 min
